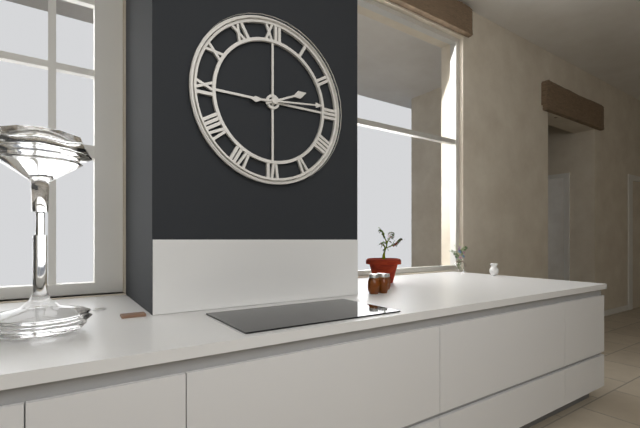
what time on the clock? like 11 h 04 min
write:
2 h 14 min
